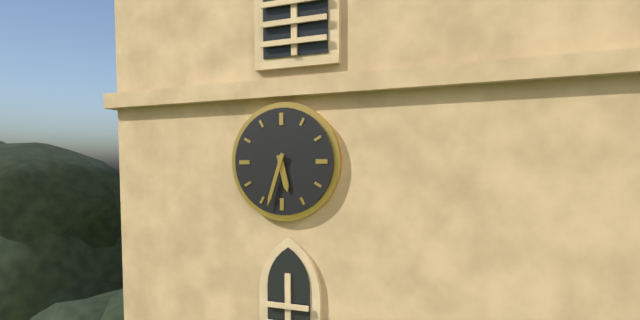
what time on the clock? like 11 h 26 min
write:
5 h 33 min
